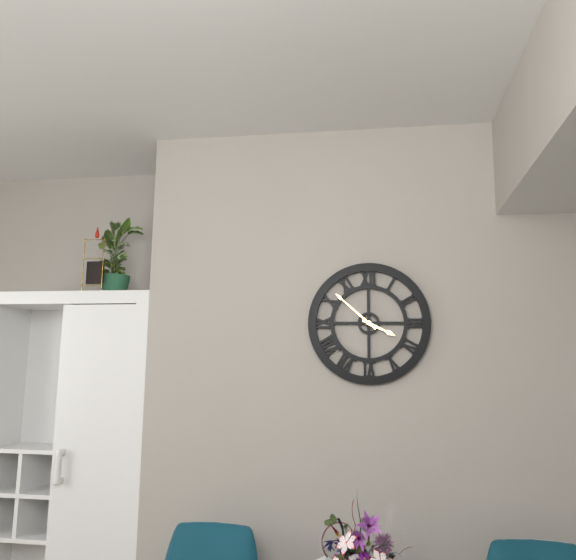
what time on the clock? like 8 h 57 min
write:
3 h 52 min
